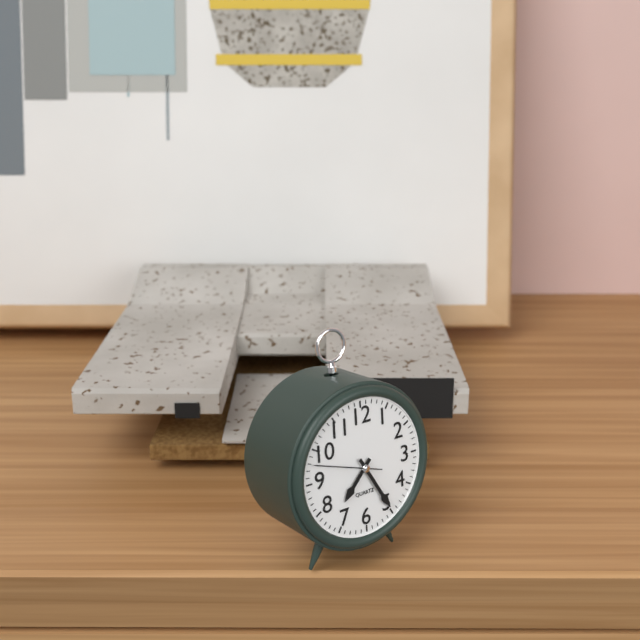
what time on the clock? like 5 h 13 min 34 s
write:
7 h 25 min 48 s
